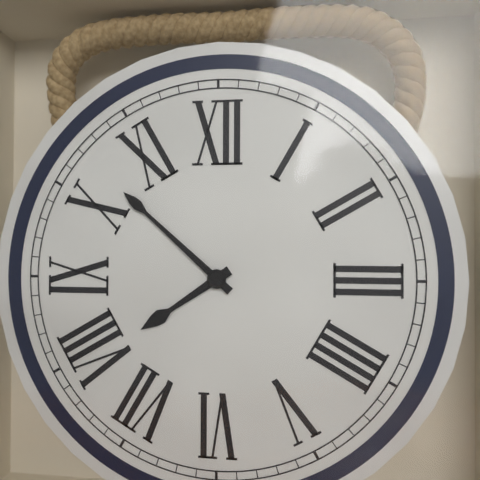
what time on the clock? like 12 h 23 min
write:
7 h 52 min
